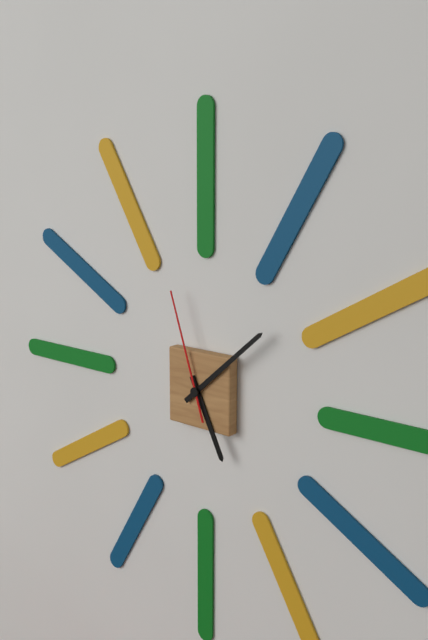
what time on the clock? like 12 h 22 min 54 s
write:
5 h 08 min 57 s
